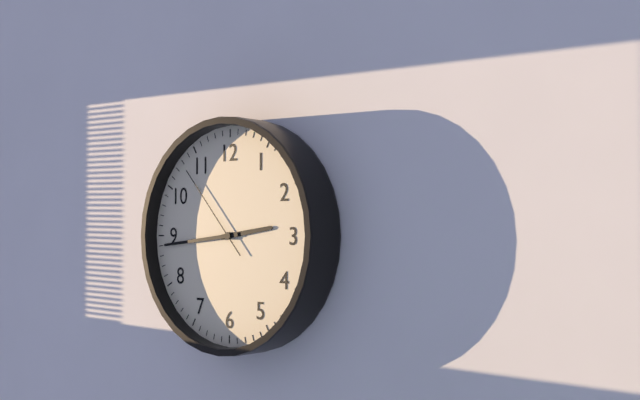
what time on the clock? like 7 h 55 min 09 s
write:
2 h 44 min 53 s
